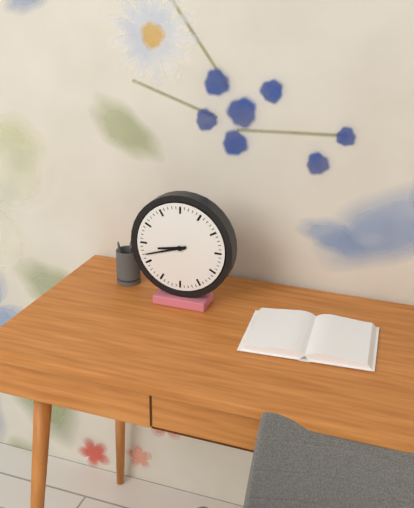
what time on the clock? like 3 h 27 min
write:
8 h 42 min
